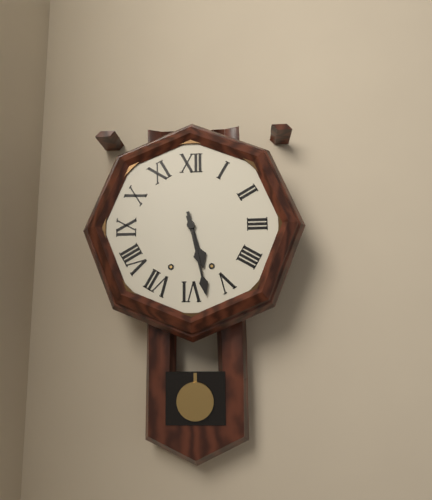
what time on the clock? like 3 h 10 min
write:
5 h 28 min
